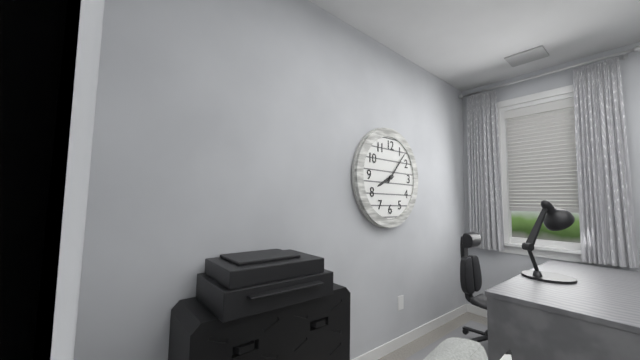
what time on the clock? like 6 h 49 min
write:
8 h 07 min
